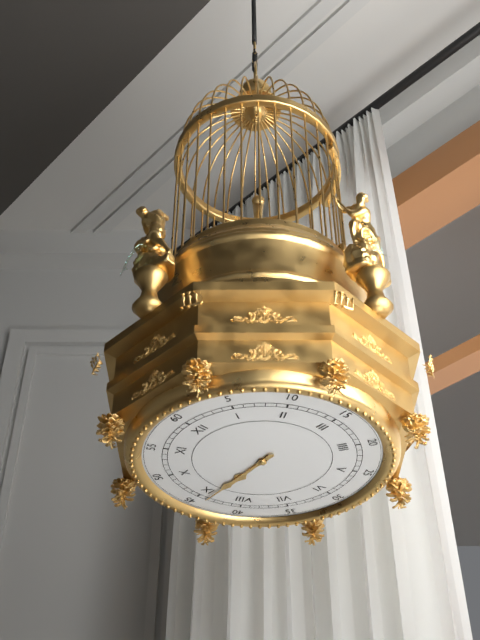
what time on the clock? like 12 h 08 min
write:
8 h 44 min
